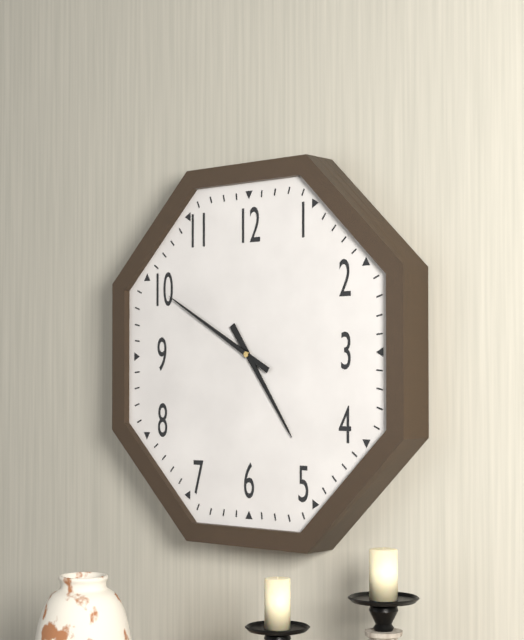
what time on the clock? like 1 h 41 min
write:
4 h 50 min
